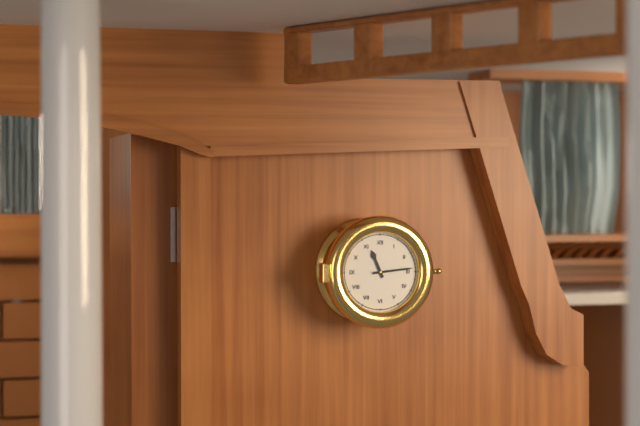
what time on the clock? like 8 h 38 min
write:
11 h 14 min
